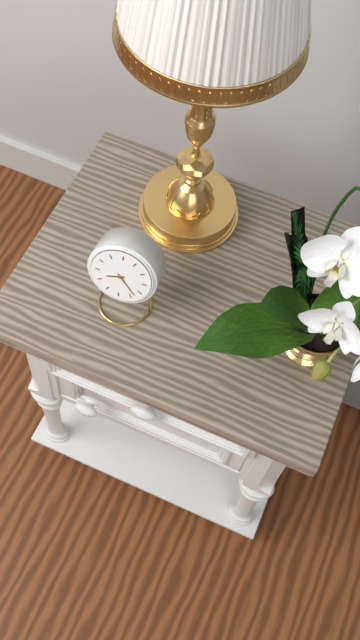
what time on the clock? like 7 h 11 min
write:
8 h 23 min
